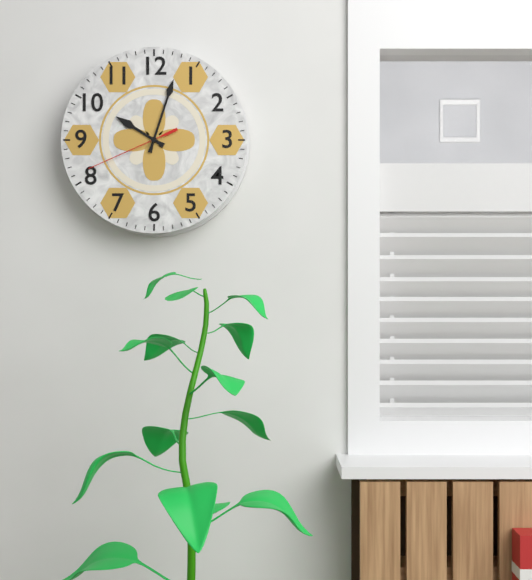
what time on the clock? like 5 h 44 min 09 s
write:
10 h 03 min 41 s
